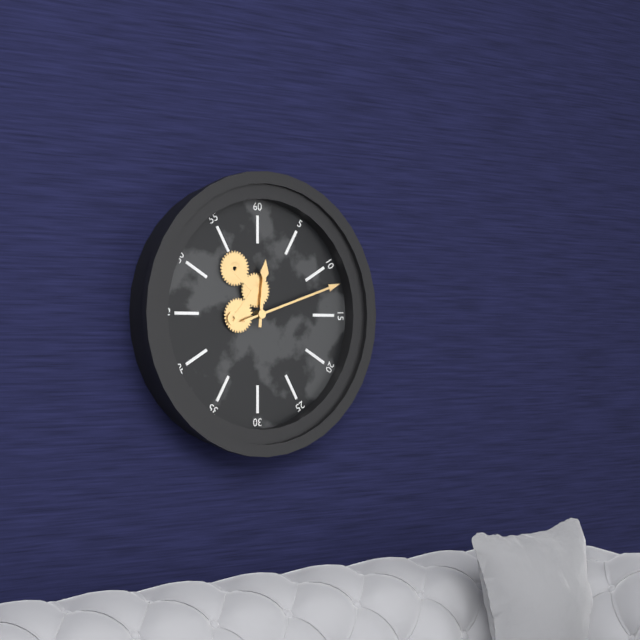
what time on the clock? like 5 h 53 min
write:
12 h 12 min
